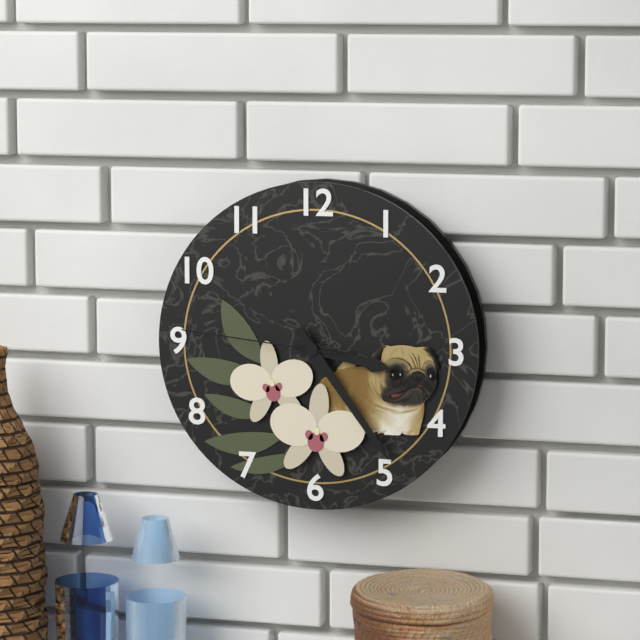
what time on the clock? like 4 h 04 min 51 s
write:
3 h 24 min 46 s
